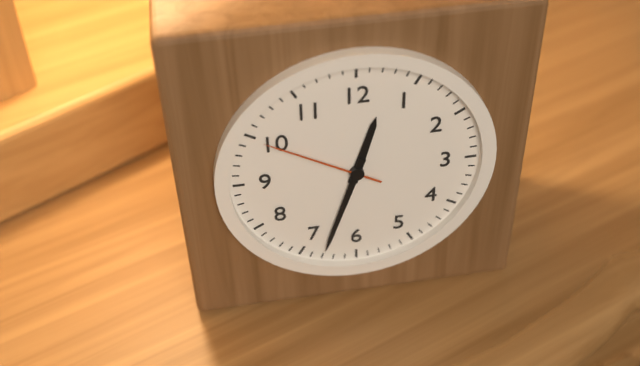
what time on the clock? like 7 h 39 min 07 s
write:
12 h 33 min 50 s
